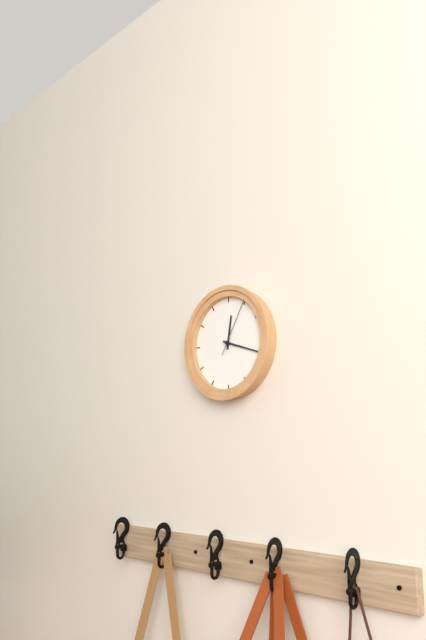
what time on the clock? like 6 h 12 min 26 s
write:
12 h 18 min 05 s
